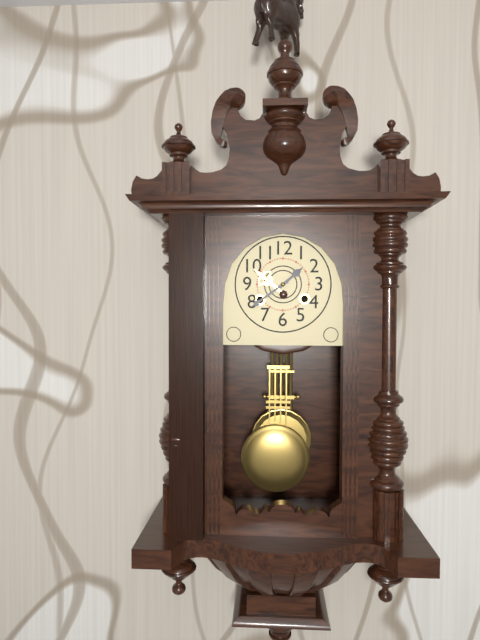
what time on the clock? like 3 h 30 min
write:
1 h 39 min
